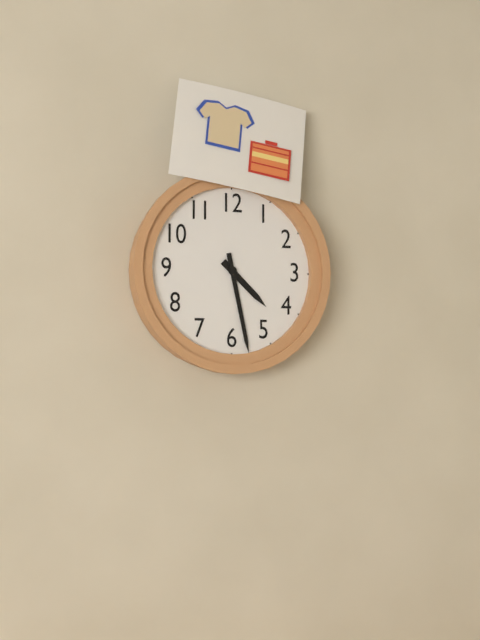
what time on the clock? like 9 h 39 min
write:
4 h 28 min
